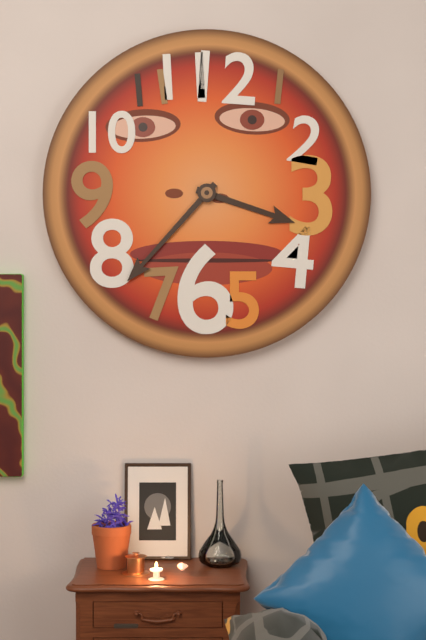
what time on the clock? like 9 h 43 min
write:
3 h 37 min
